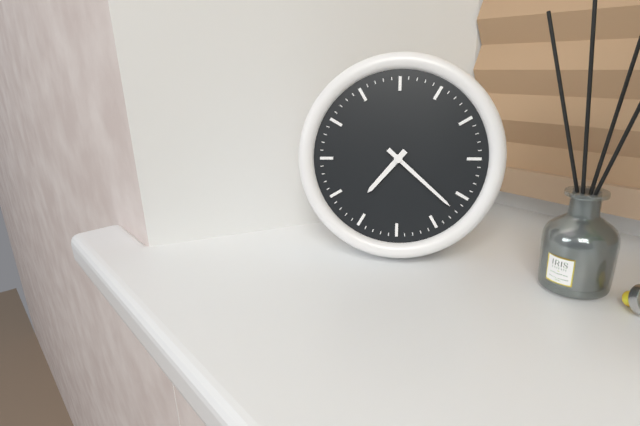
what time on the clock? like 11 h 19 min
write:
7 h 22 min
